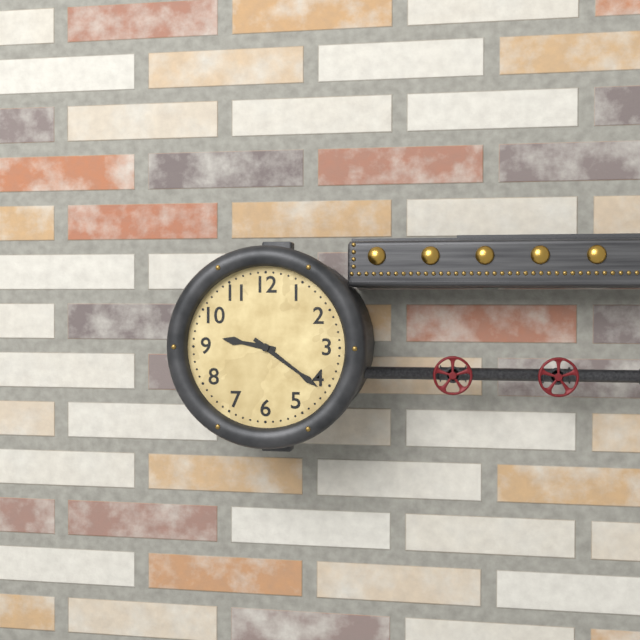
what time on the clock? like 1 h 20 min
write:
9 h 21 min
